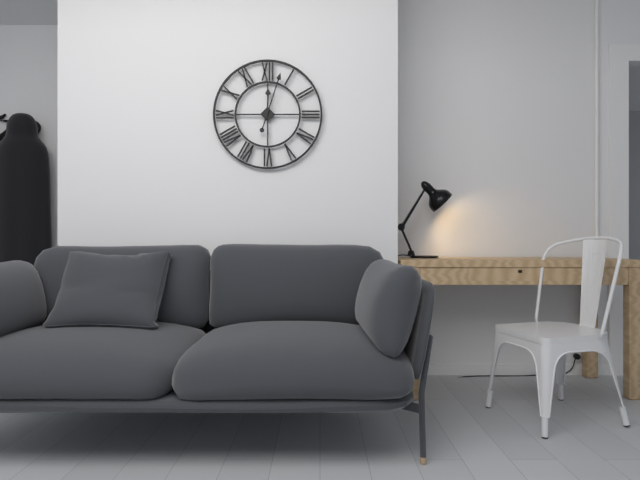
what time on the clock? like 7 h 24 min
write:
12 h 03 min
